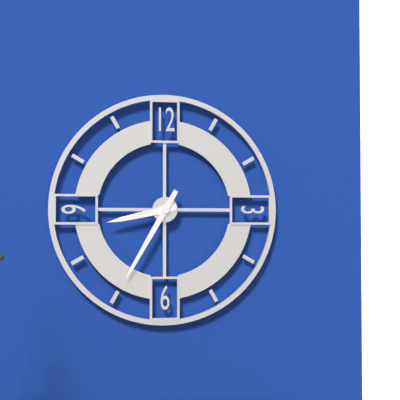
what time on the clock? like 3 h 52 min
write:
8 h 35 min
